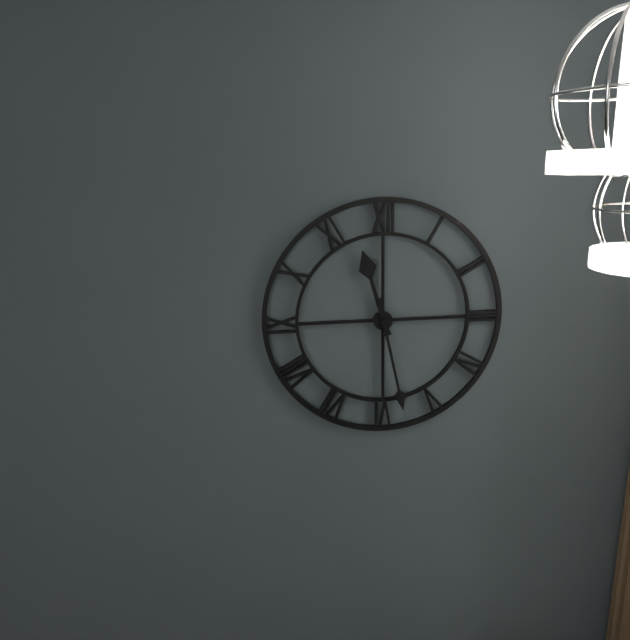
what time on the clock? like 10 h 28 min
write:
11 h 28 min
